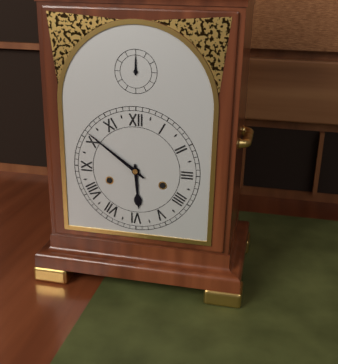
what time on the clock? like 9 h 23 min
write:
5 h 51 min
